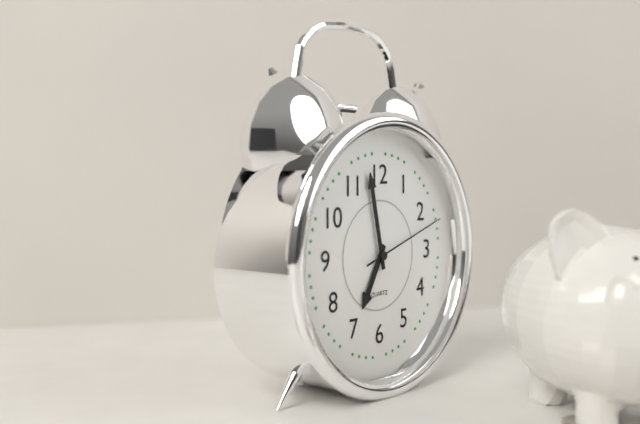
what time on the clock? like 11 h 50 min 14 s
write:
6 h 58 min 12 s
